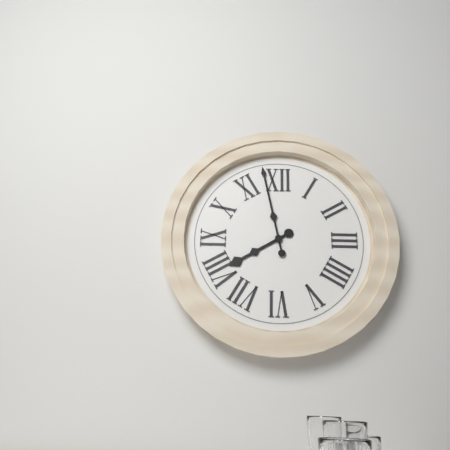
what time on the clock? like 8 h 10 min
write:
7 h 58 min
